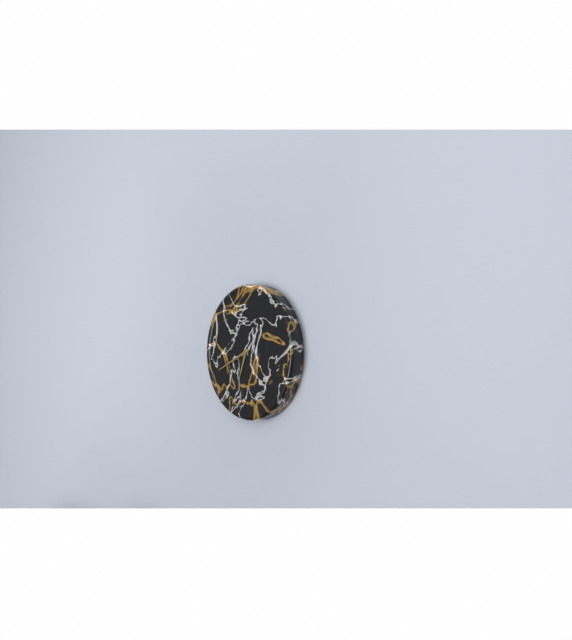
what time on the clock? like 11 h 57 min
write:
6 h 41 min
